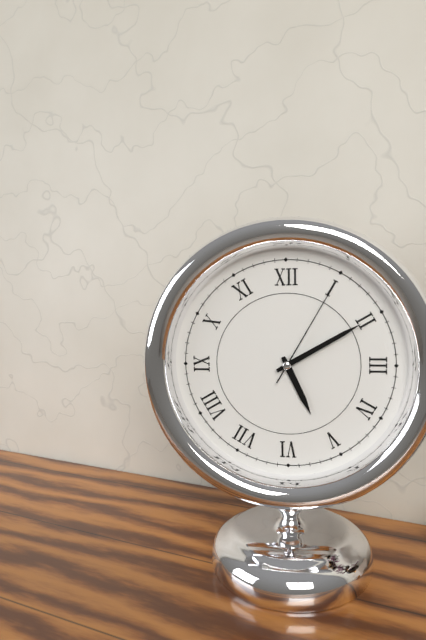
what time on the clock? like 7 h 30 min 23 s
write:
5 h 10 min 05 s
